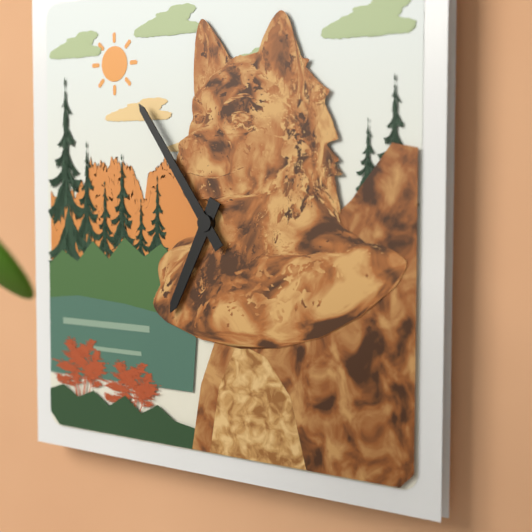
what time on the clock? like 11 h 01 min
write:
6 h 54 min
